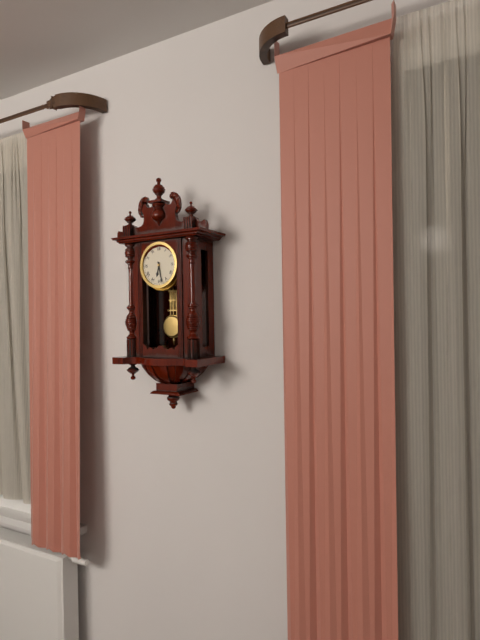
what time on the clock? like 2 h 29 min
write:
6 h 28 min
